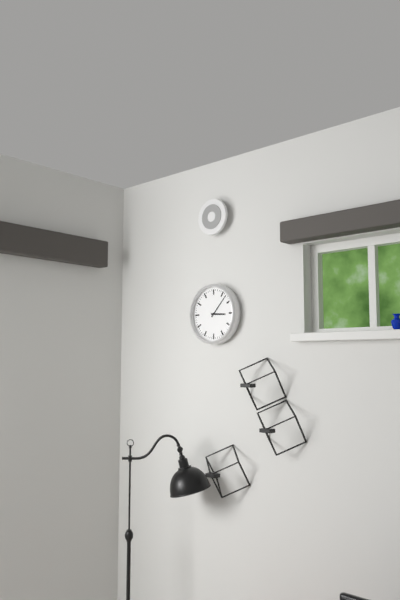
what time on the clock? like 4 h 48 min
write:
3 h 07 min
